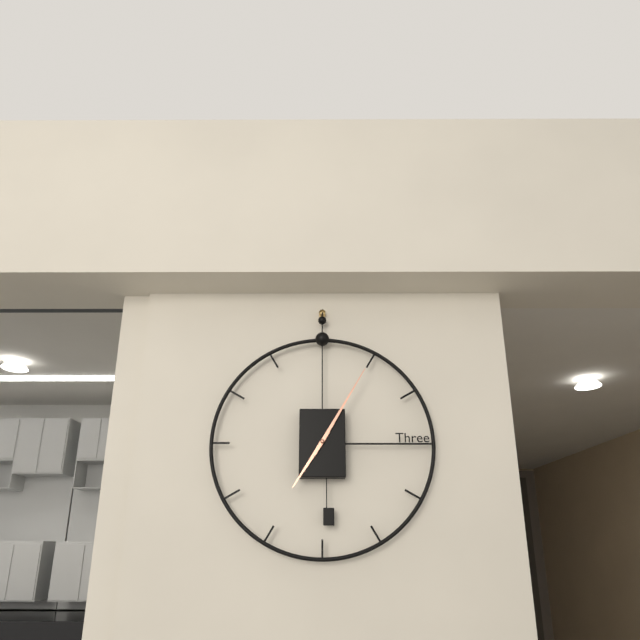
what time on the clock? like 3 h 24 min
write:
7 h 05 min
